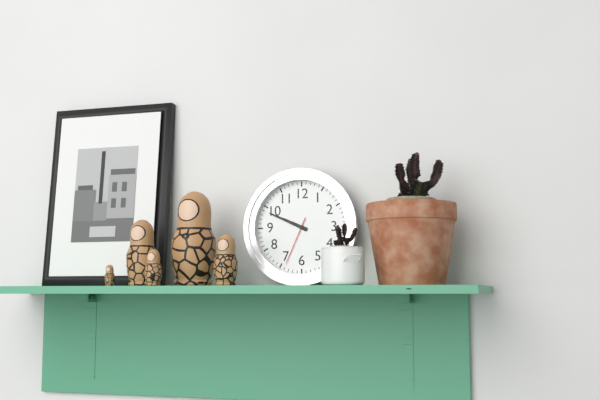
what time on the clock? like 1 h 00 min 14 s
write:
9 h 49 min 34 s
